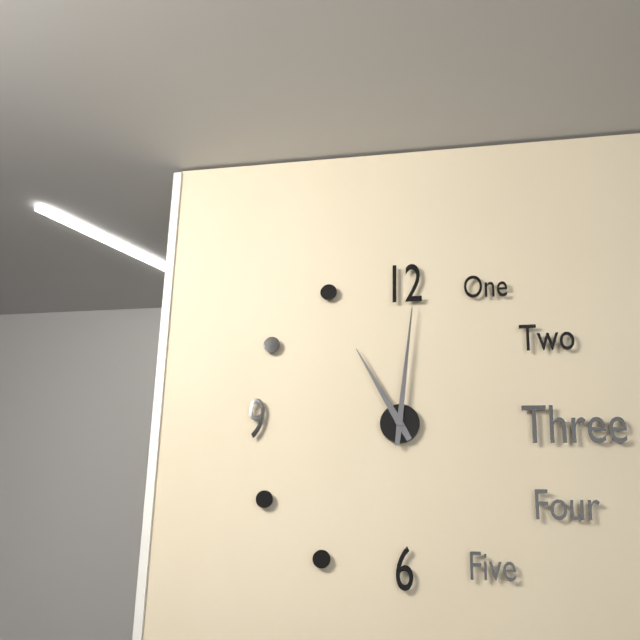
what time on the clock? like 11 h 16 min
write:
11 h 01 min
